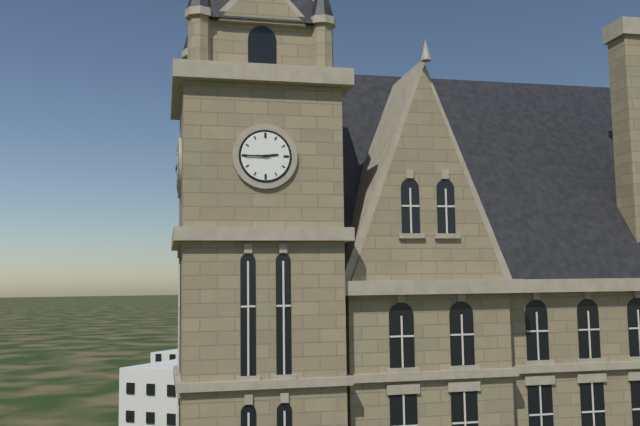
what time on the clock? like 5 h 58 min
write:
2 h 45 min
